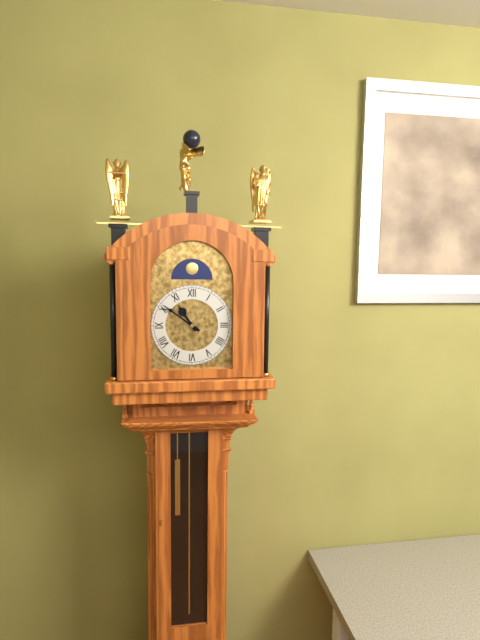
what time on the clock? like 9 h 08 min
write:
10 h 51 min
